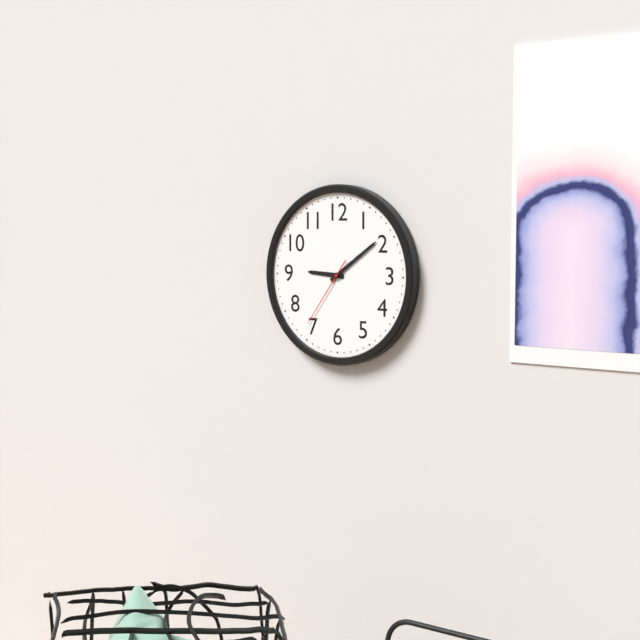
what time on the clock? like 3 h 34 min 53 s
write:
9 h 09 min 36 s
